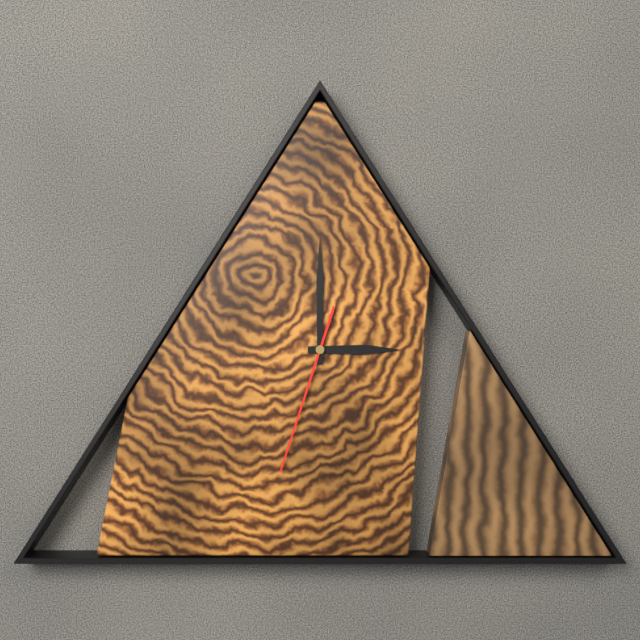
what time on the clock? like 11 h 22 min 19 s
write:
3 h 00 min 33 s
